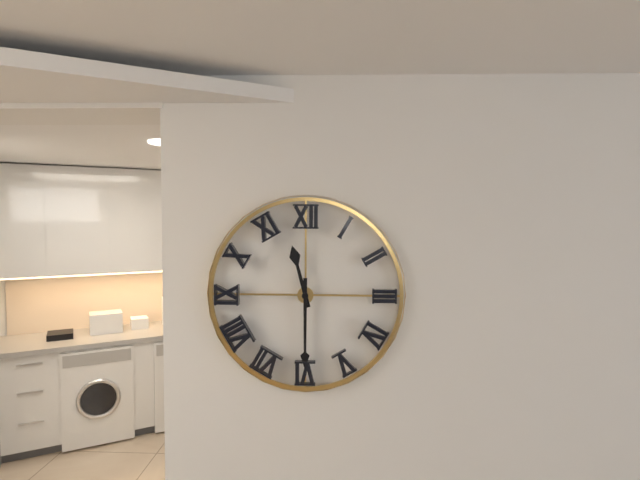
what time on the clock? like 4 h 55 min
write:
11 h 30 min
